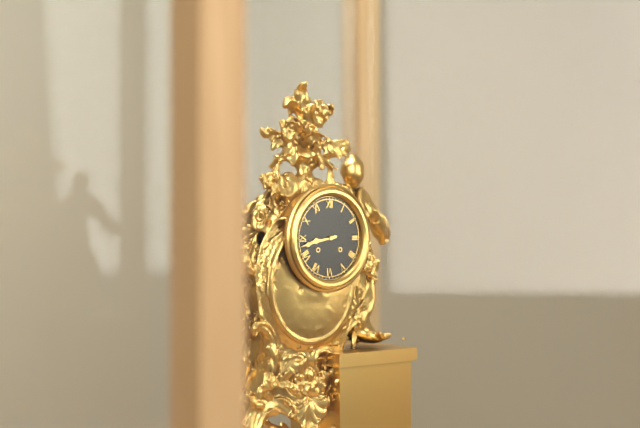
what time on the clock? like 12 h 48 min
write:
8 h 43 min
